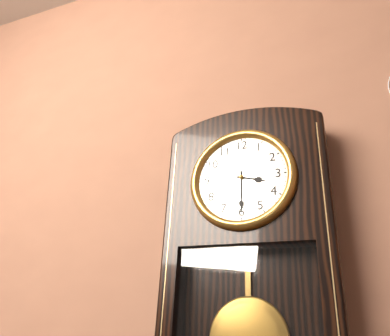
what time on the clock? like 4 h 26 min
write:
3 h 30 min
